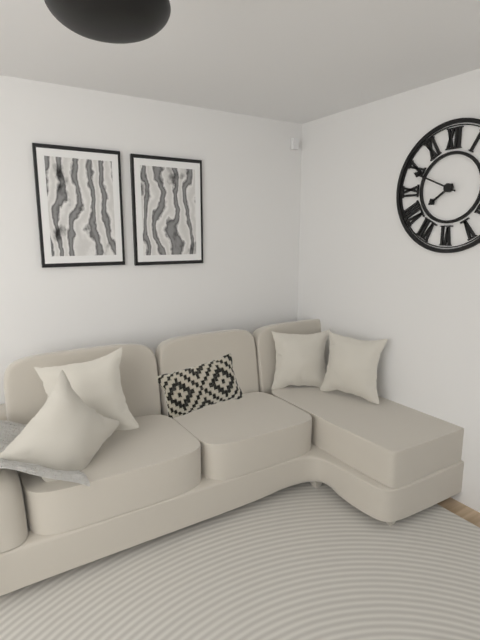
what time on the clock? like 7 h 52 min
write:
7 h 49 min
